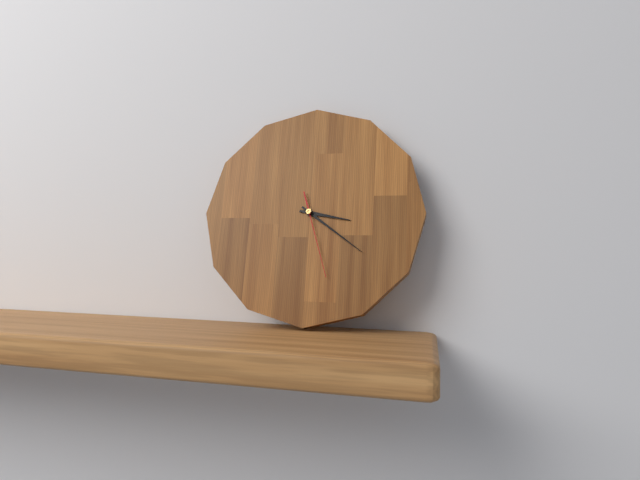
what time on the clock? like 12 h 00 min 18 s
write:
3 h 21 min 27 s
